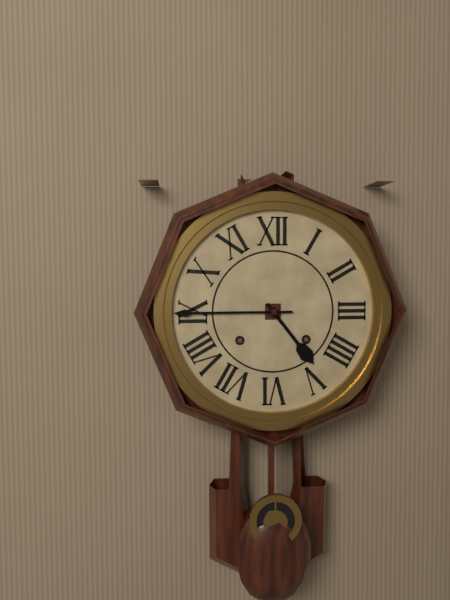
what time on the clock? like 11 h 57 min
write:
4 h 45 min
